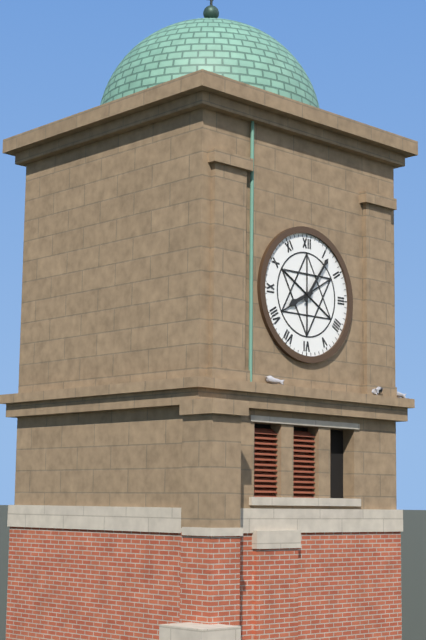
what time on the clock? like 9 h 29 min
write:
8 h 06 min
